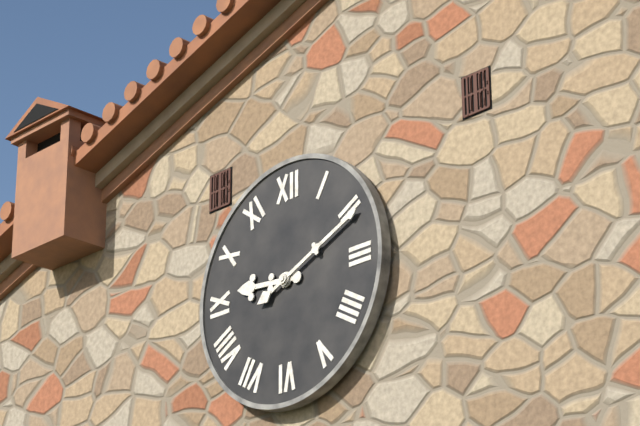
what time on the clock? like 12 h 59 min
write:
9 h 11 min
